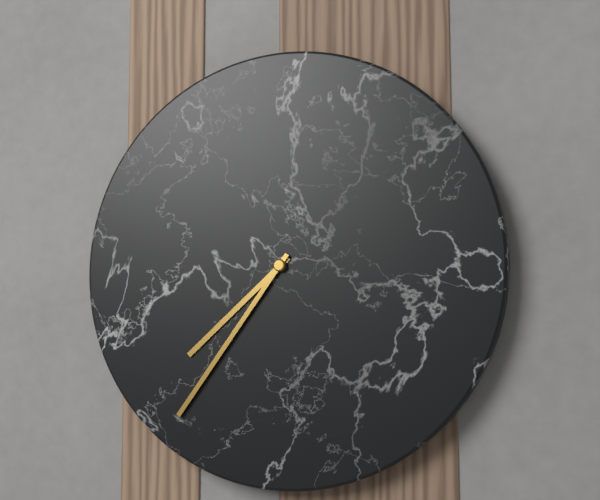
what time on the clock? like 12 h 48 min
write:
7 h 36 min
